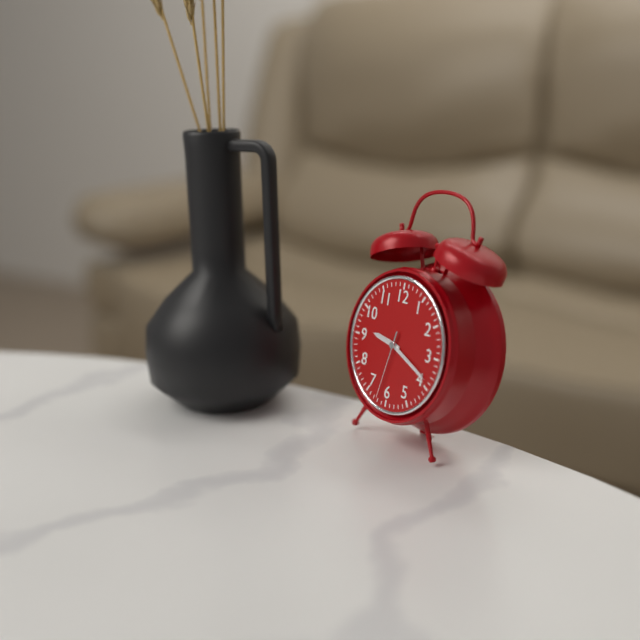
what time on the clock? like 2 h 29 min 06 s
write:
9 h 19 min 32 s
